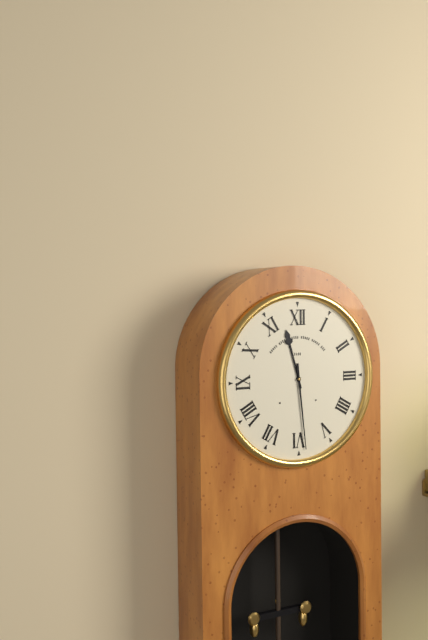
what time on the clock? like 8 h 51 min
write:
11 h 29 min
